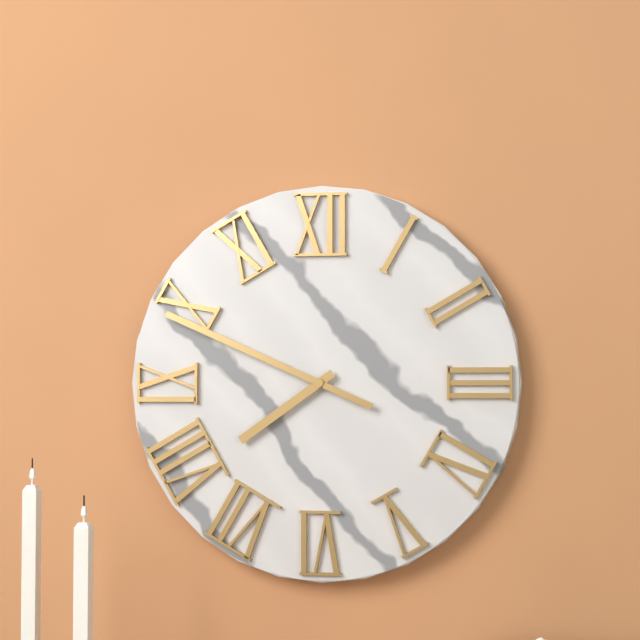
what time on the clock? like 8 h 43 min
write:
7 h 49 min
